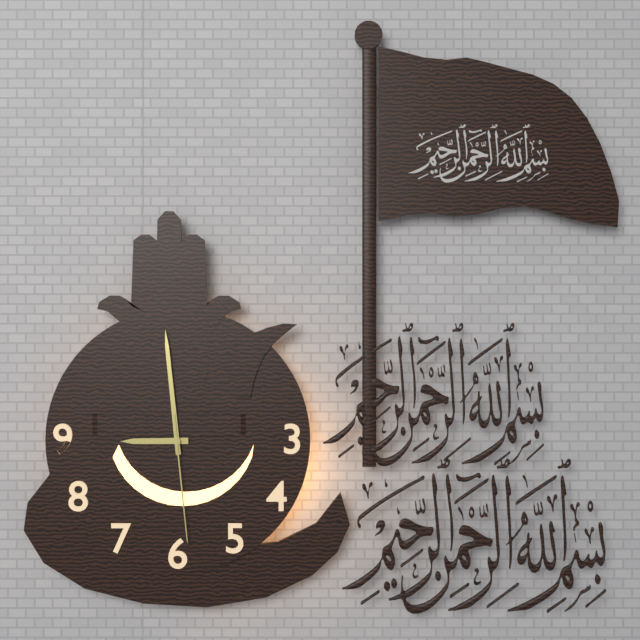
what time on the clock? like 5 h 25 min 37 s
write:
8 h 59 min 29 s
